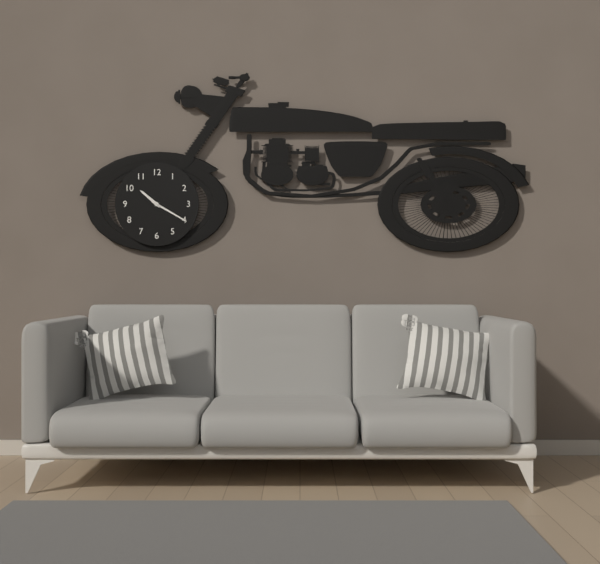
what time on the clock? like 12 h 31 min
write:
10 h 20 min
